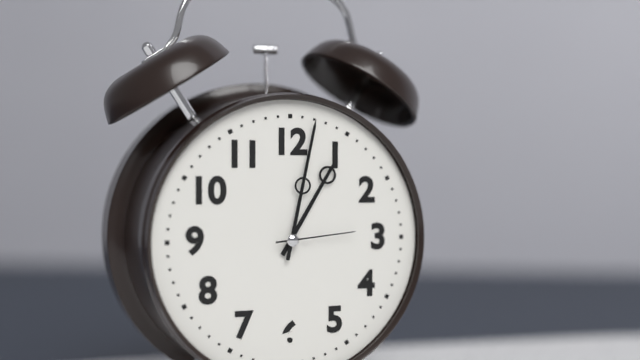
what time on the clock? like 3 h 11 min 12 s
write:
1 h 02 min 14 s
